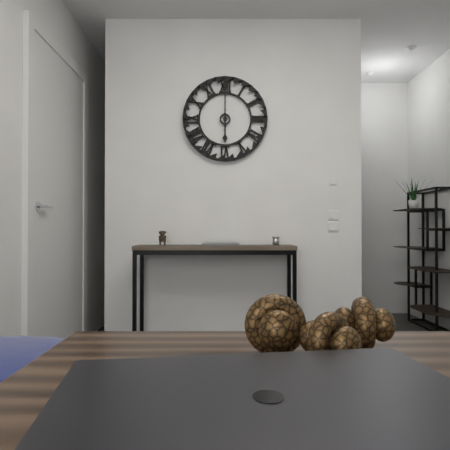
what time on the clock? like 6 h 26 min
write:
6 h 00 min
